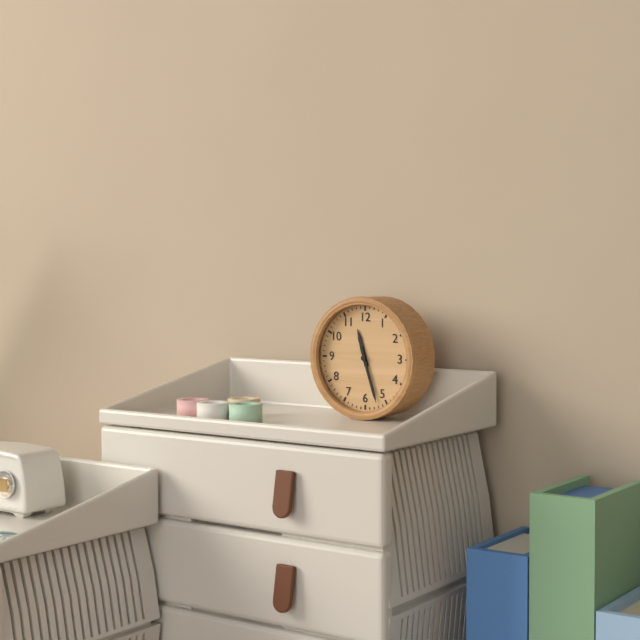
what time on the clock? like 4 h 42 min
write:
11 h 27 min
